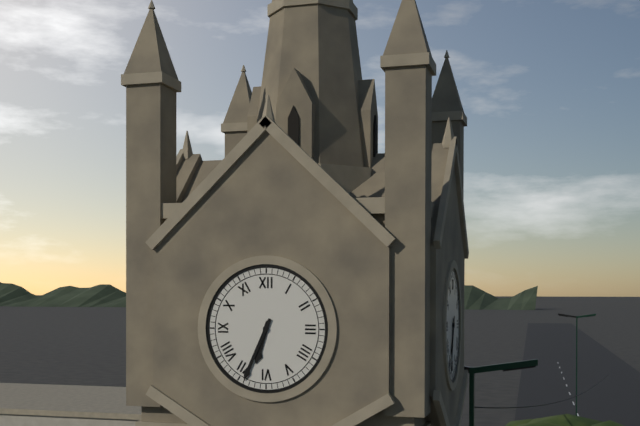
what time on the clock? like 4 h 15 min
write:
6 h 34 min
